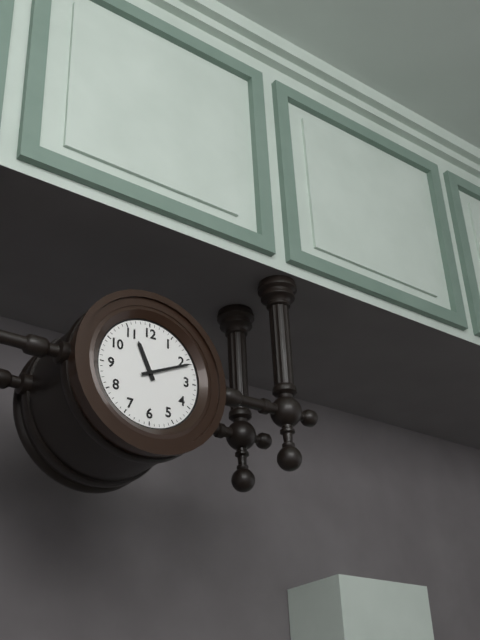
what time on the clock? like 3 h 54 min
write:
11 h 11 min
